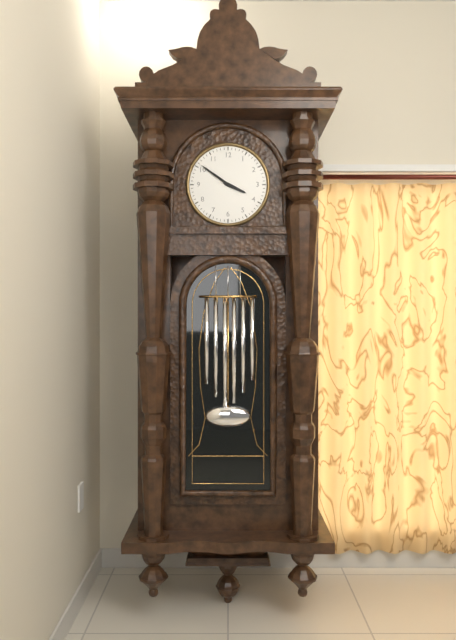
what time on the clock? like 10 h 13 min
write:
3 h 51 min
